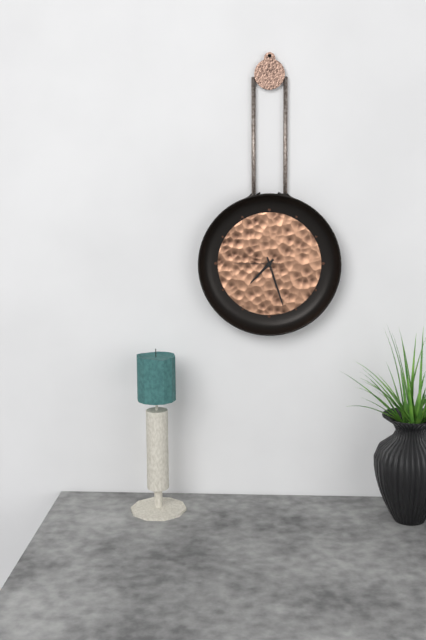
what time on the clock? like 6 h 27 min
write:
7 h 27 min
